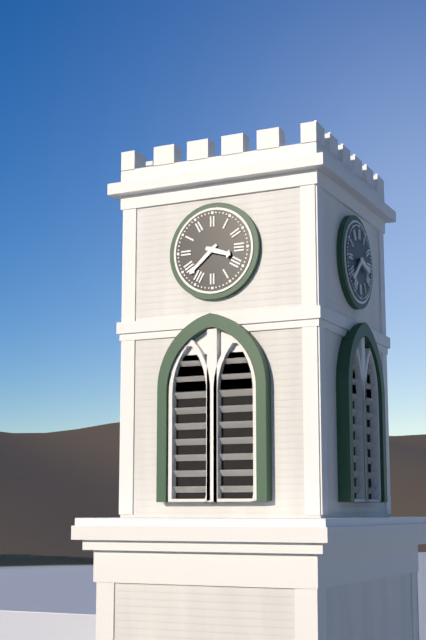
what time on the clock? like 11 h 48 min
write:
3 h 38 min
